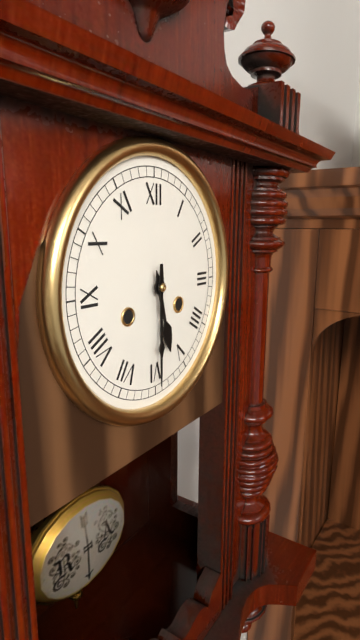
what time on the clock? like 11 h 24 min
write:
5 h 30 min
